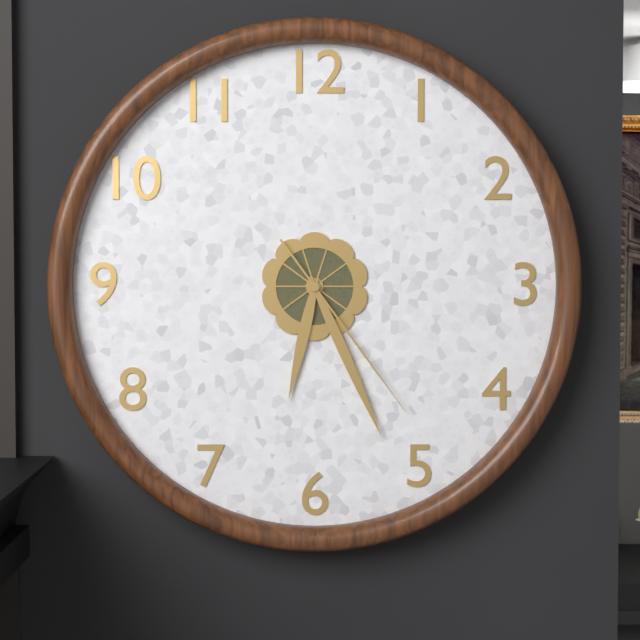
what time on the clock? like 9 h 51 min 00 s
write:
6 h 26 min 24 s
